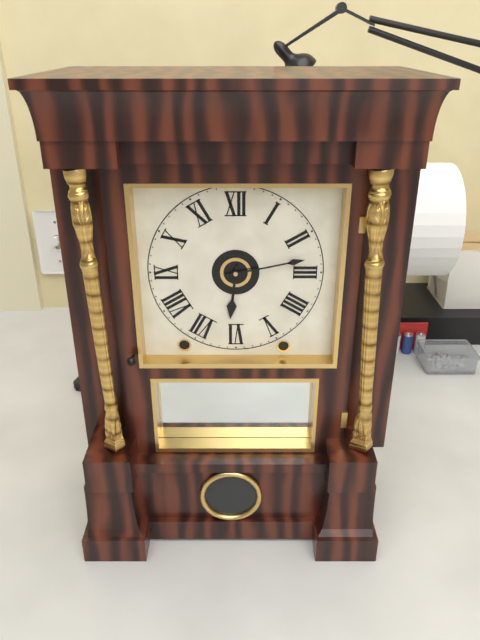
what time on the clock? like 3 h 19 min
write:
6 h 13 min
